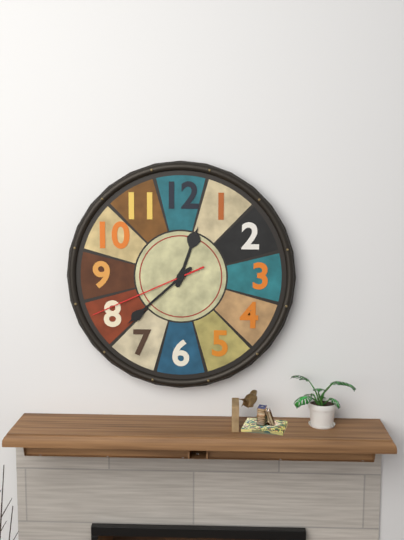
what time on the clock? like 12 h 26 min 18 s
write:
12 h 38 min 41 s
